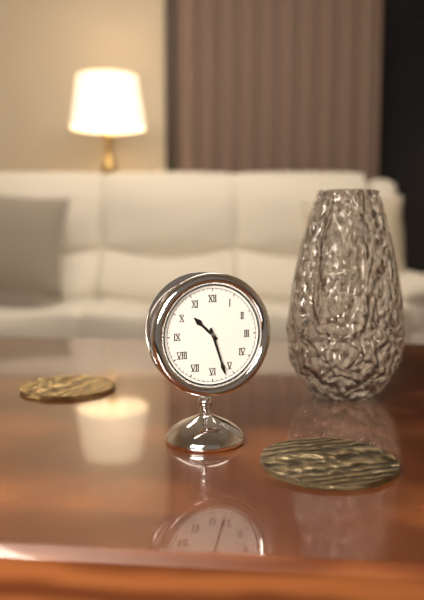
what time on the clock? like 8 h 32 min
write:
10 h 27 min
